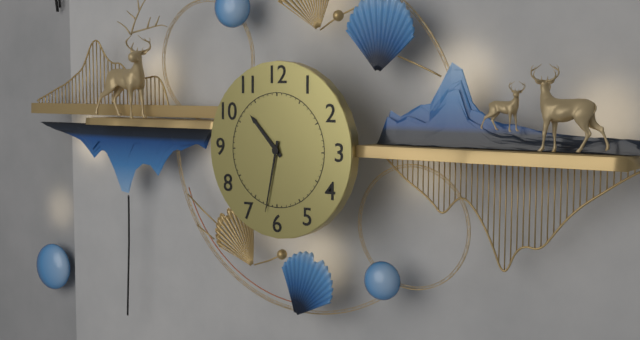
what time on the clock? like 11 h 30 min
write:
10 h 32 min
